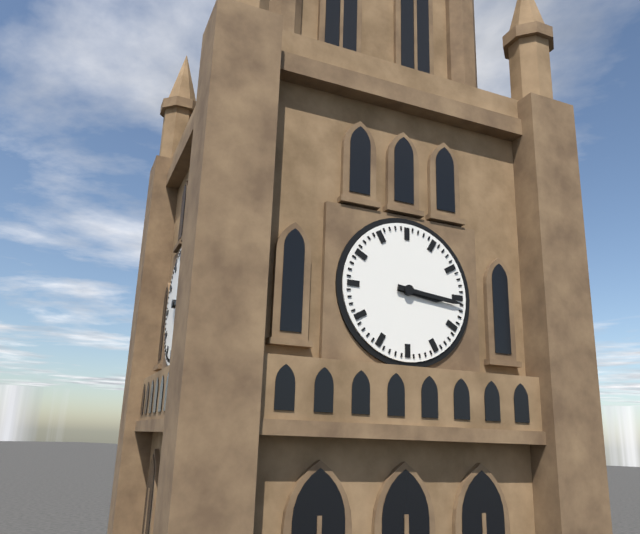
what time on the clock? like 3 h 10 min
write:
3 h 16 min
